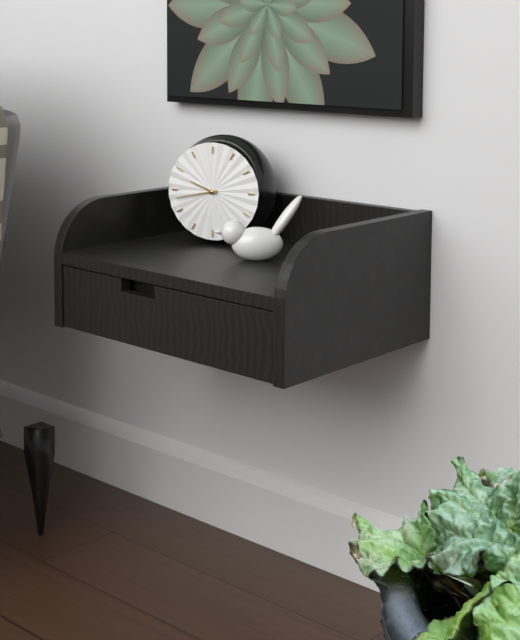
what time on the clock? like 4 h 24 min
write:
9 h 43 min
